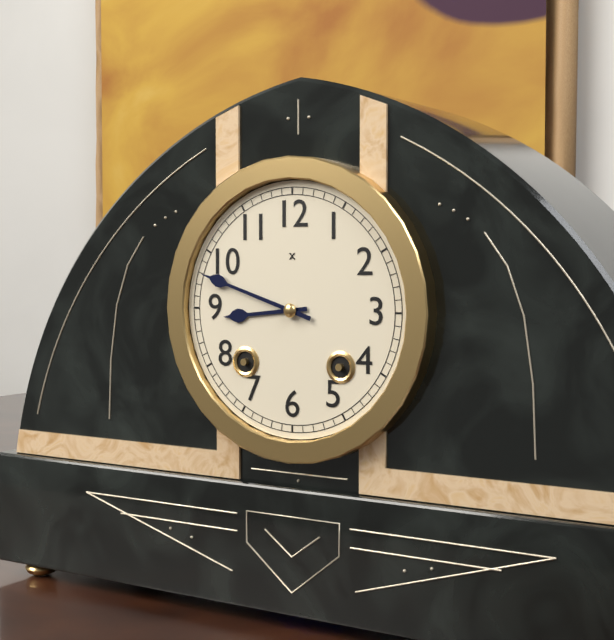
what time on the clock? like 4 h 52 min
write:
8 h 48 min
